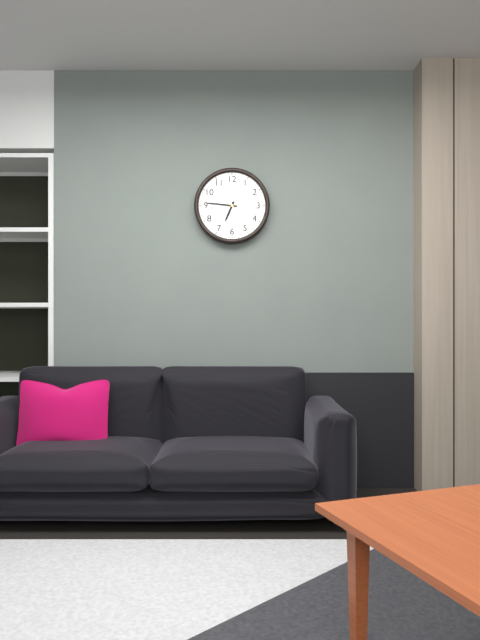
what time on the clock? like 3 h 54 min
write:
6 h 46 min
